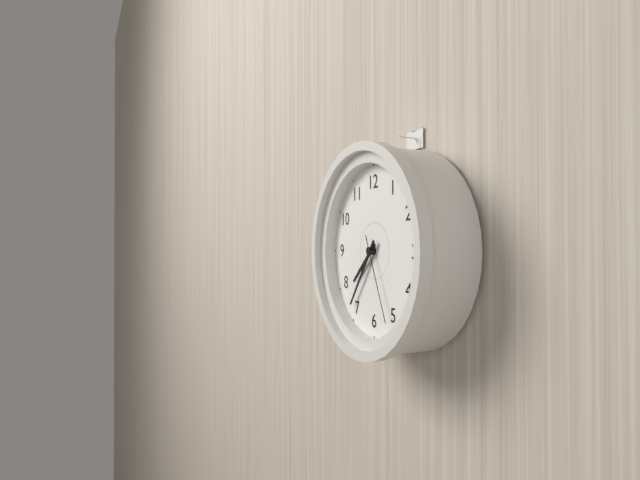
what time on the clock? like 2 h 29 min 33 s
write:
7 h 36 min 26 s
